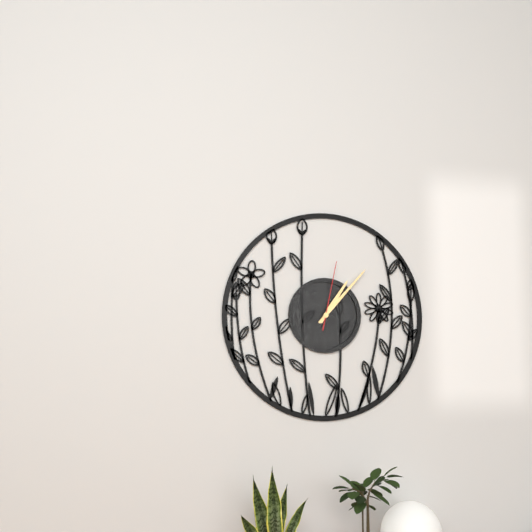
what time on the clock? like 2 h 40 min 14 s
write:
1 h 07 min 02 s
